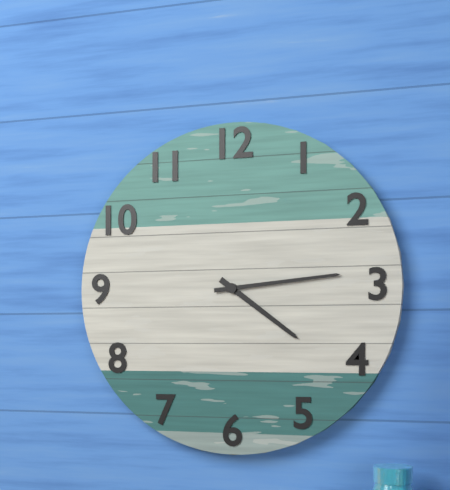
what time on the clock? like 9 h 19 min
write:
4 h 14 min
